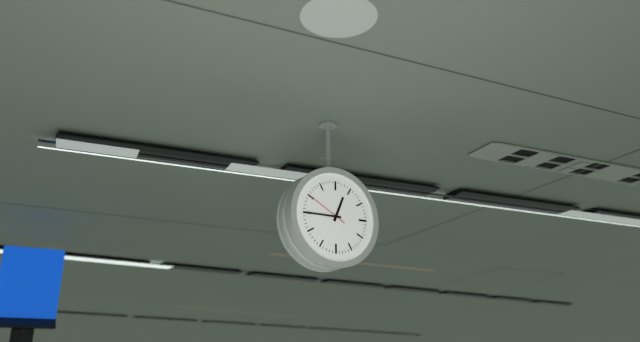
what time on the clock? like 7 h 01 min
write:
12 h 45 min
